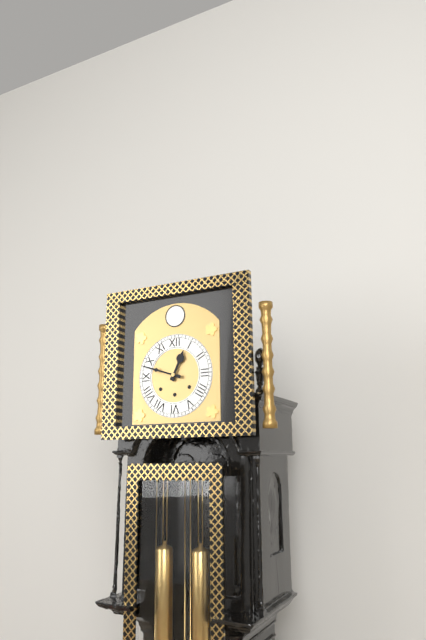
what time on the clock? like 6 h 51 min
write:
12 h 48 min
